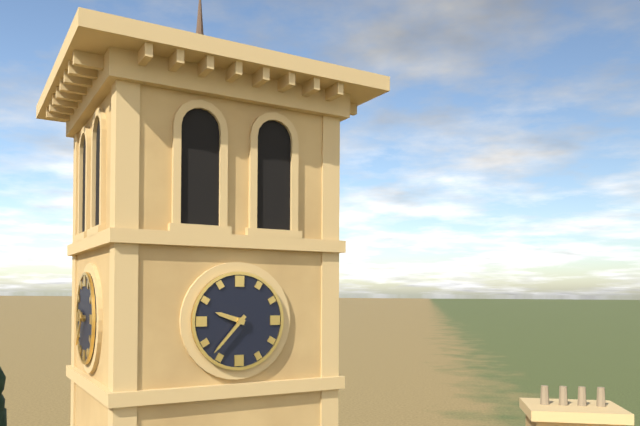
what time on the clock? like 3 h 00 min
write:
9 h 37 min
